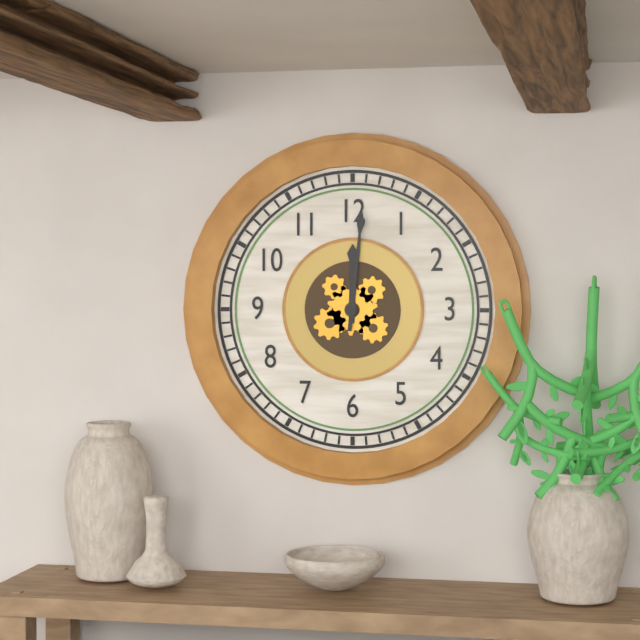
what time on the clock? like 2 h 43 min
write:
12 h 01 min
